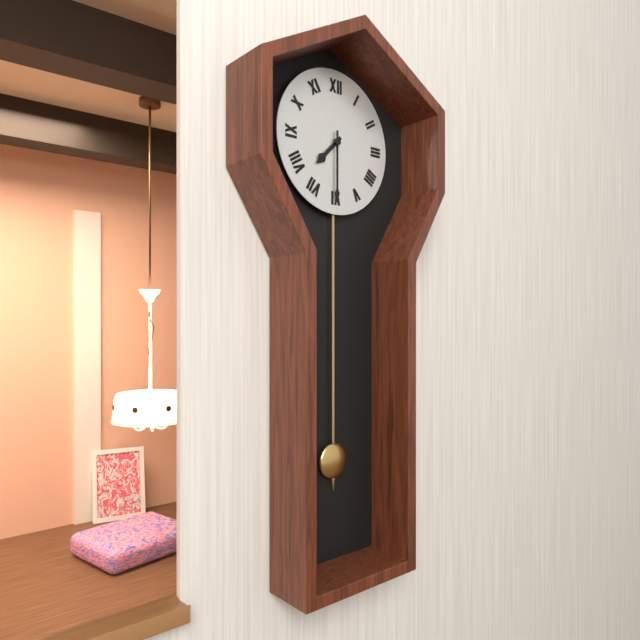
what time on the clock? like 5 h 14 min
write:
7 h 30 min
